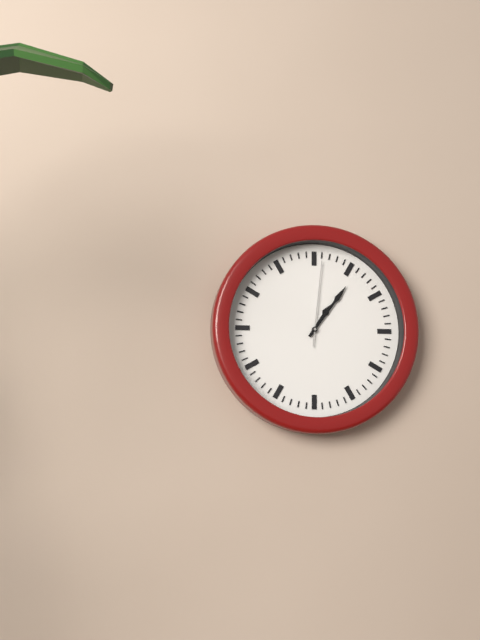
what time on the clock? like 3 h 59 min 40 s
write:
1 h 06 min 01 s
